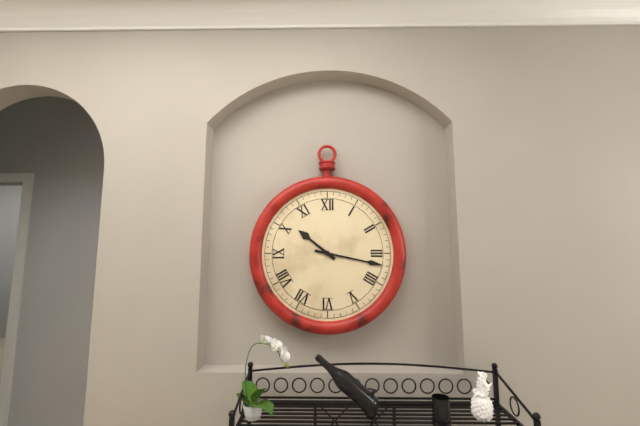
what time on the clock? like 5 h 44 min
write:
10 h 17 min
